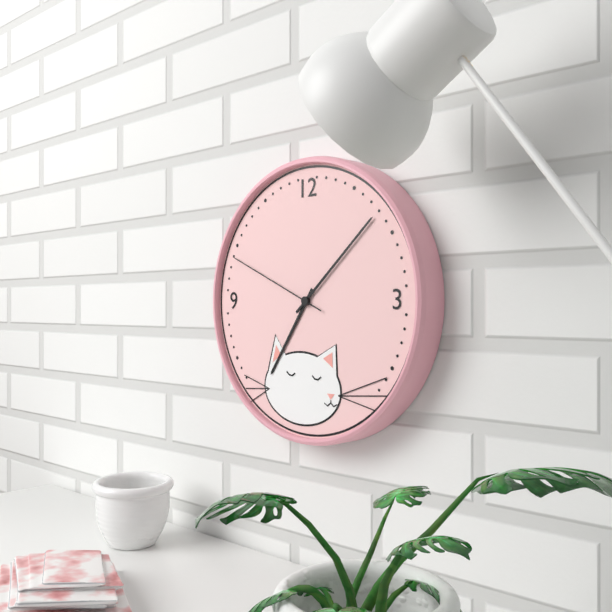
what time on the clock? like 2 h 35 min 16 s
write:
7 h 08 min 49 s
